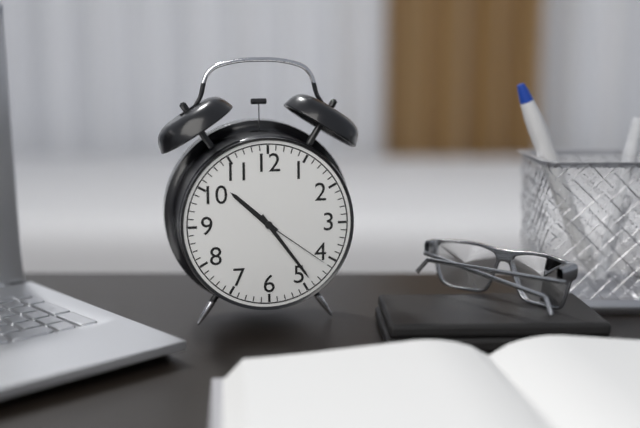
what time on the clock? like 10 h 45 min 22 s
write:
10 h 24 min 21 s
